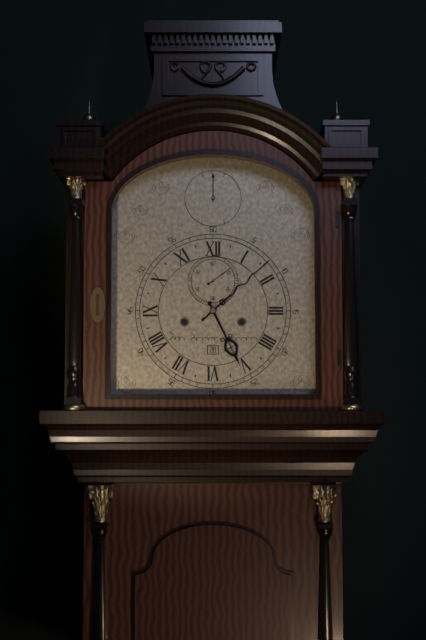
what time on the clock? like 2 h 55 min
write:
5 h 08 min
